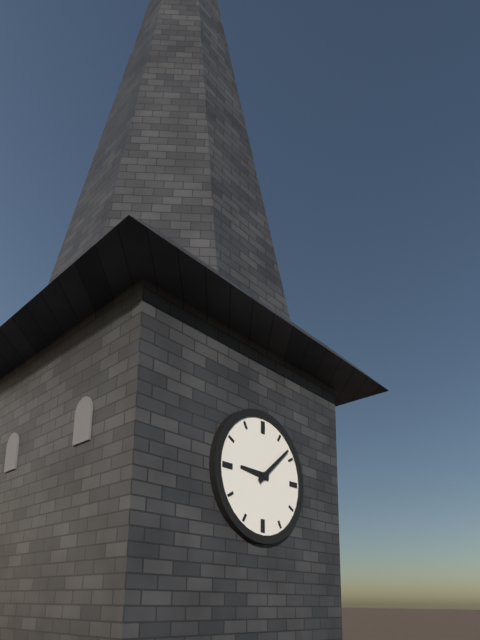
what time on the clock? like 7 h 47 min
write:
9 h 08 min
